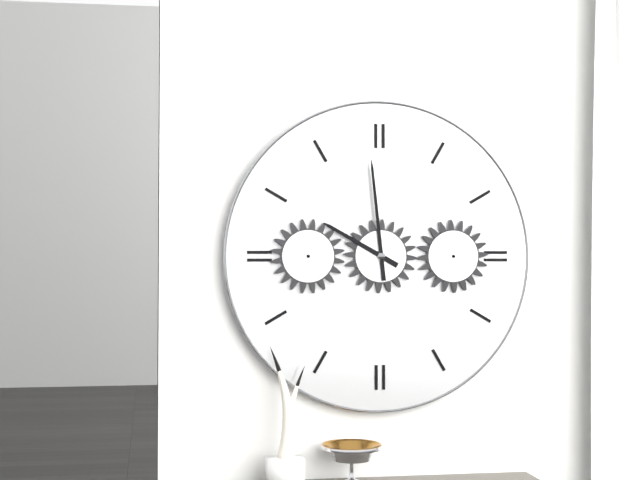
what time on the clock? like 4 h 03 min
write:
9 h 59 min
